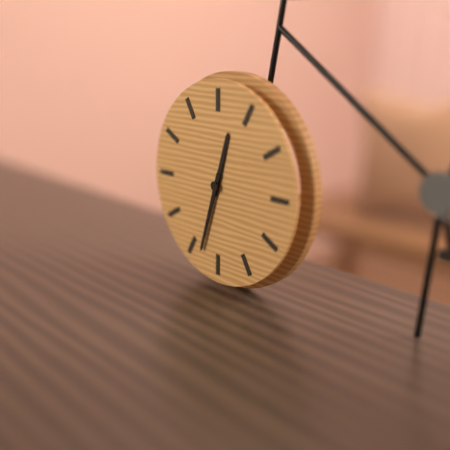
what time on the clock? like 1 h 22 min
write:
12 h 33 min
